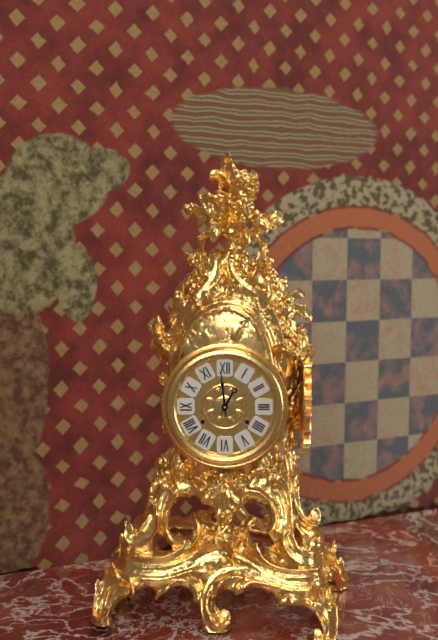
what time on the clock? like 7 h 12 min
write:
12 h 59 min
